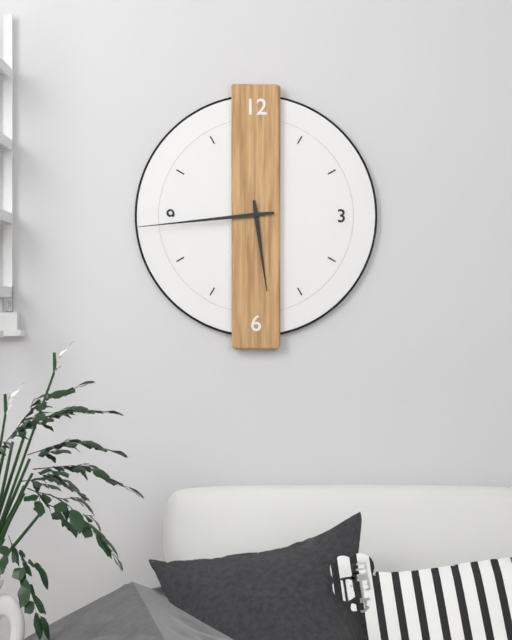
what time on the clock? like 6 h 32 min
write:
5 h 44 min
